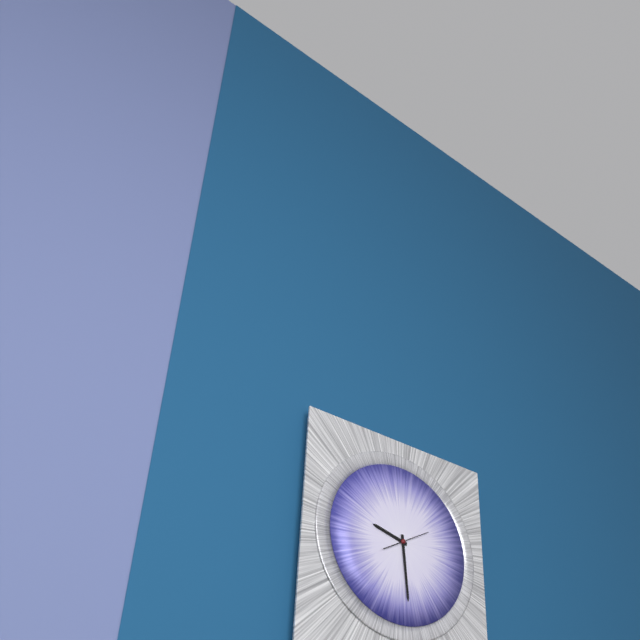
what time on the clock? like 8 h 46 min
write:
9 h 29 min
